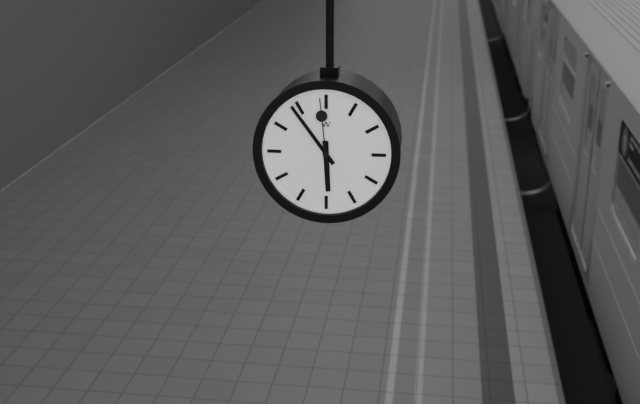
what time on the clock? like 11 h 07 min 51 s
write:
5 h 54 min 59 s
